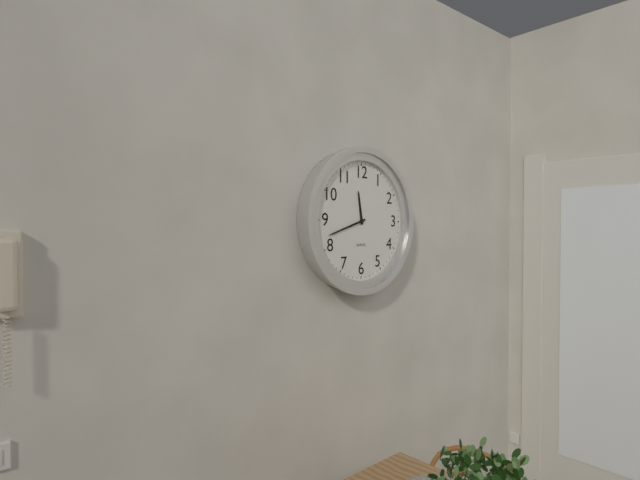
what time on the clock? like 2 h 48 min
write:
11 h 42 min
